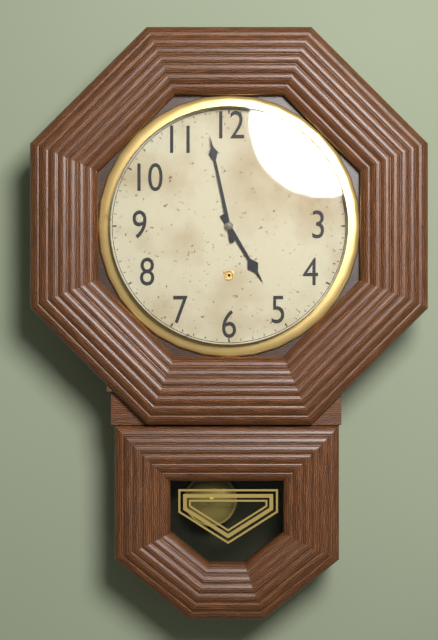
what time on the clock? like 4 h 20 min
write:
4 h 58 min
